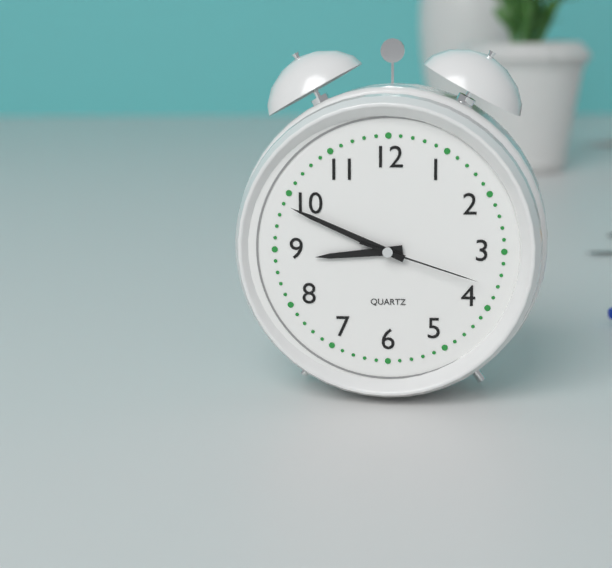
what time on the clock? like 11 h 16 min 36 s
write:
8 h 49 min 18 s
